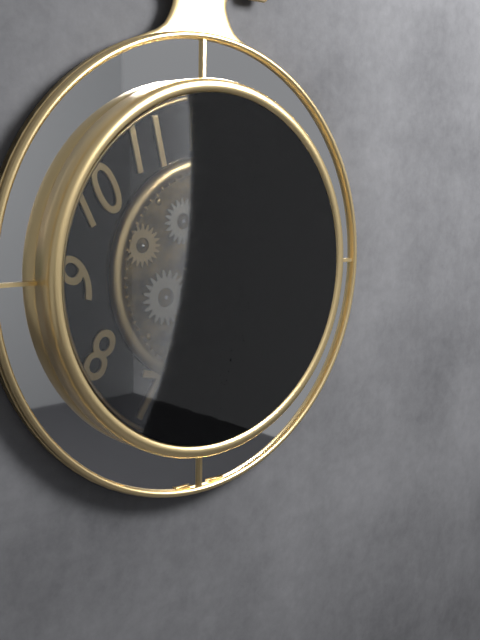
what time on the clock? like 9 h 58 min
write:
7 h 10 min
